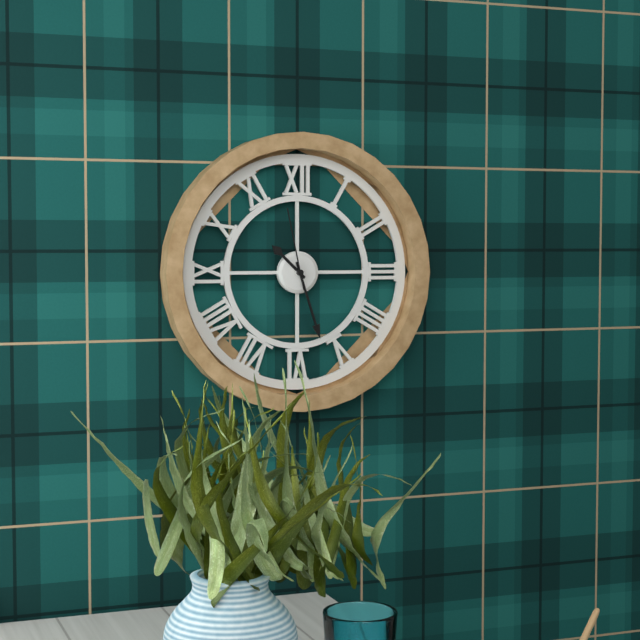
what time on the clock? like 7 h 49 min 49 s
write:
10 h 27 min 58 s
